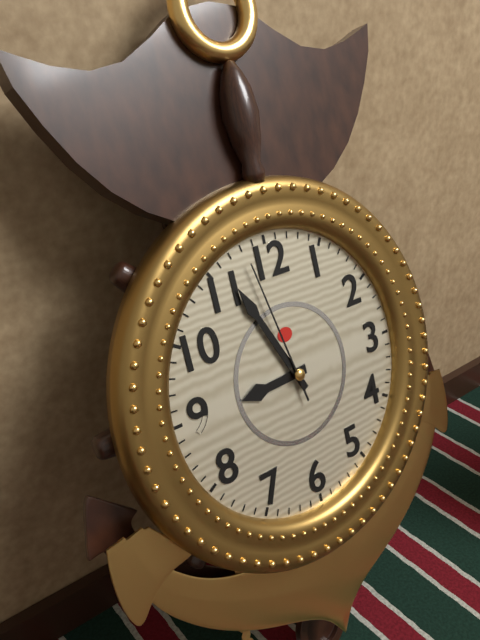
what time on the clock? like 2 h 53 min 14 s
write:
8 h 56 min 58 s
